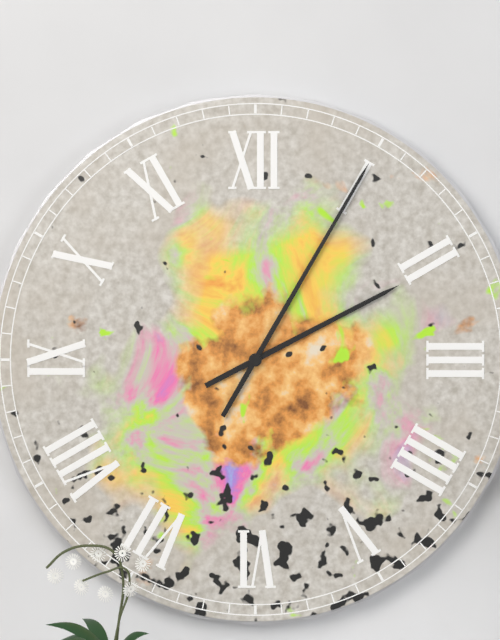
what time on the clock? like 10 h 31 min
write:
2 h 05 min
